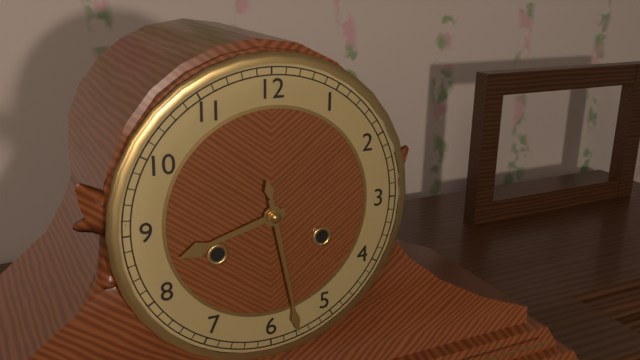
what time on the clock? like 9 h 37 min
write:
8 h 28 min
